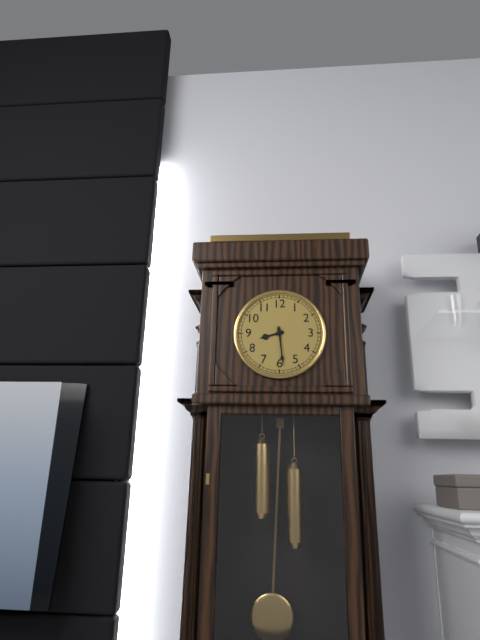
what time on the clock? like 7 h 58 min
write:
8 h 29 min
